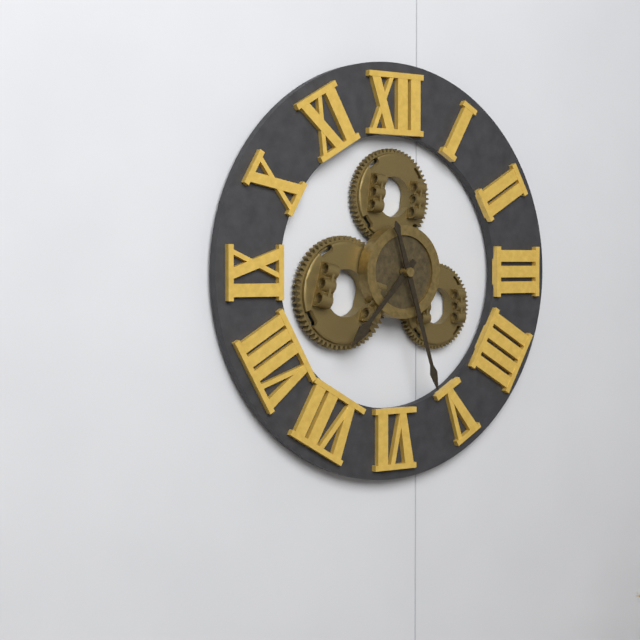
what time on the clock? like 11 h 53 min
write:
7 h 27 min
